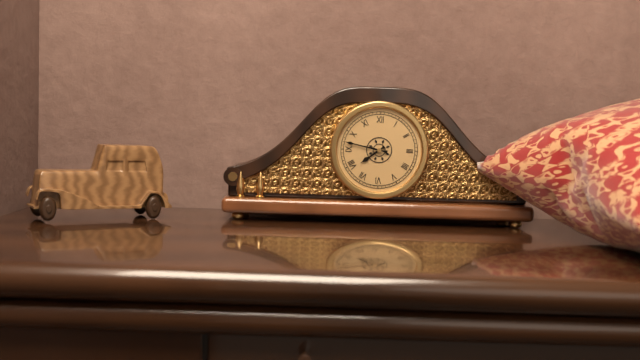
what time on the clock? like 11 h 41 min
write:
7 h 47 min
